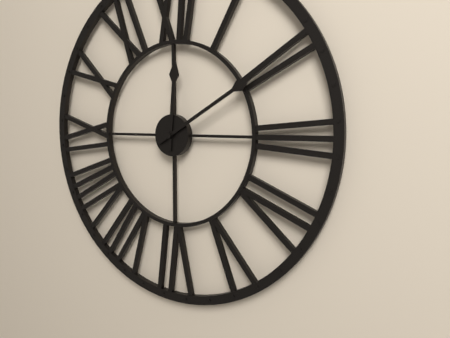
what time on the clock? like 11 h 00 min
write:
12 h 10 min
